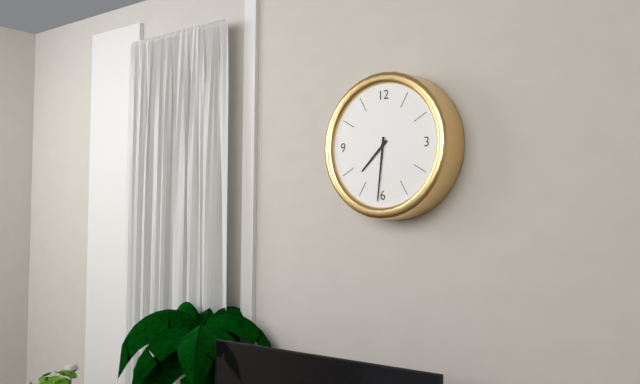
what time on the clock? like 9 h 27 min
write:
7 h 31 min
